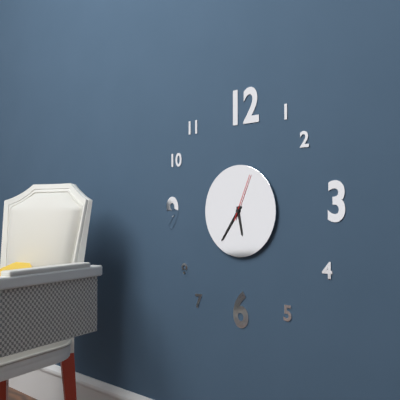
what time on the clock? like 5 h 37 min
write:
5 h 36 min
